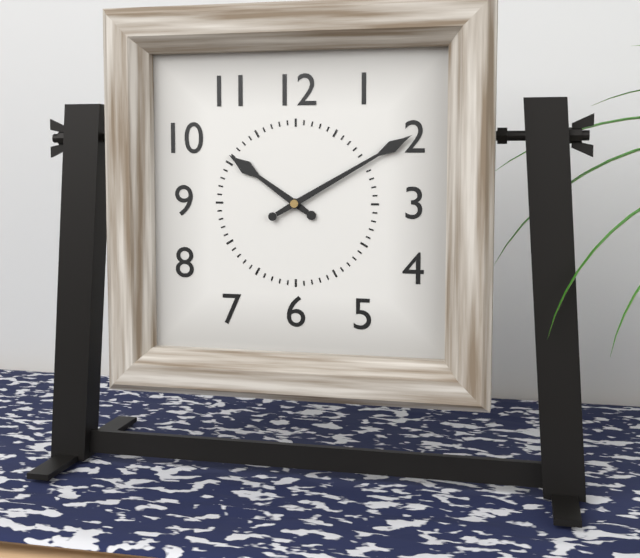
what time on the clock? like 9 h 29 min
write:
10 h 10 min
